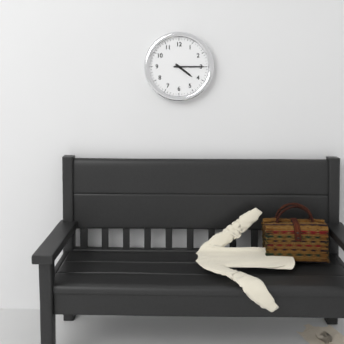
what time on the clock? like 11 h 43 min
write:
4 h 15 min
